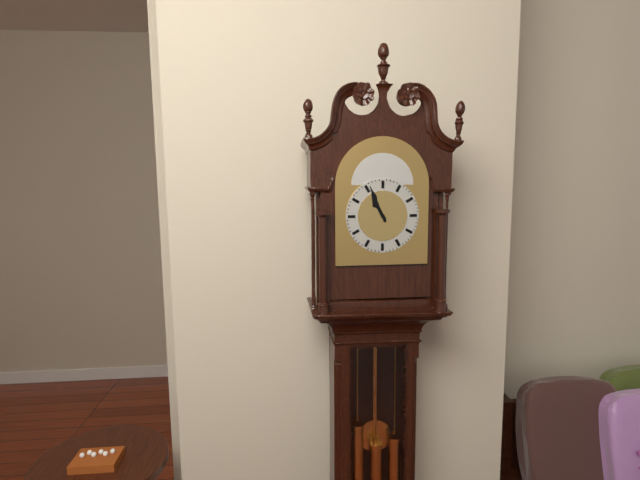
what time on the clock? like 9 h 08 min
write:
10 h 56 min
